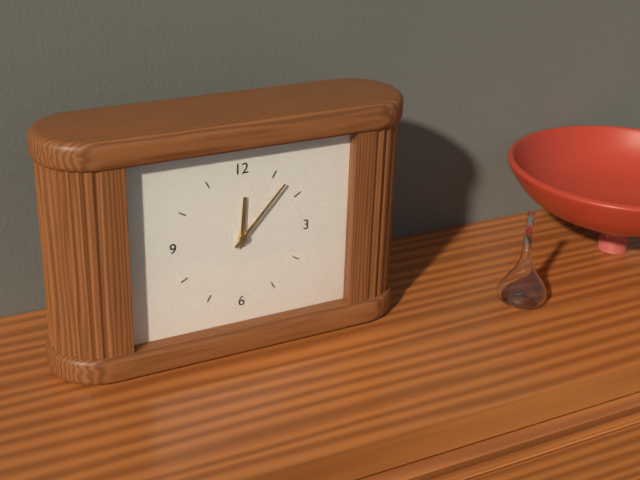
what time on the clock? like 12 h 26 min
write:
12 h 07 min
